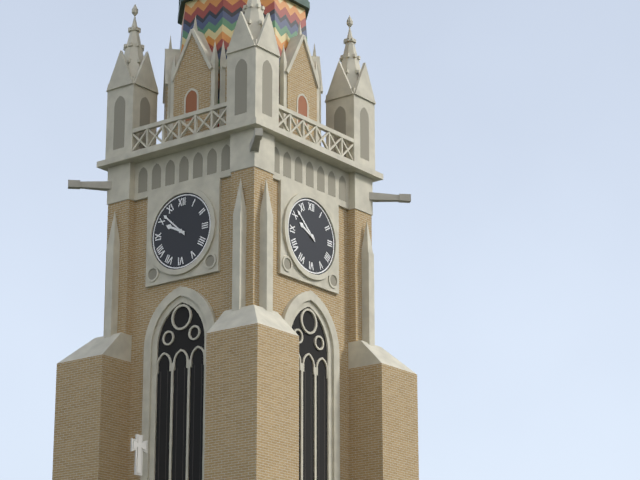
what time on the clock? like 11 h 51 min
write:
9 h 52 min
